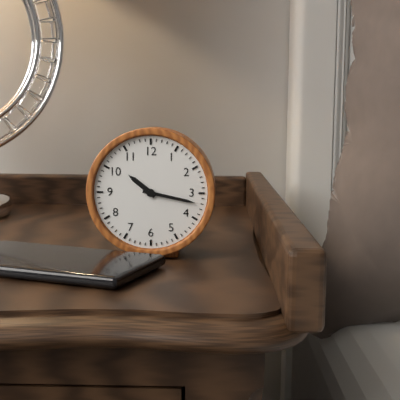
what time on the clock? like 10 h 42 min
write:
10 h 17 min
